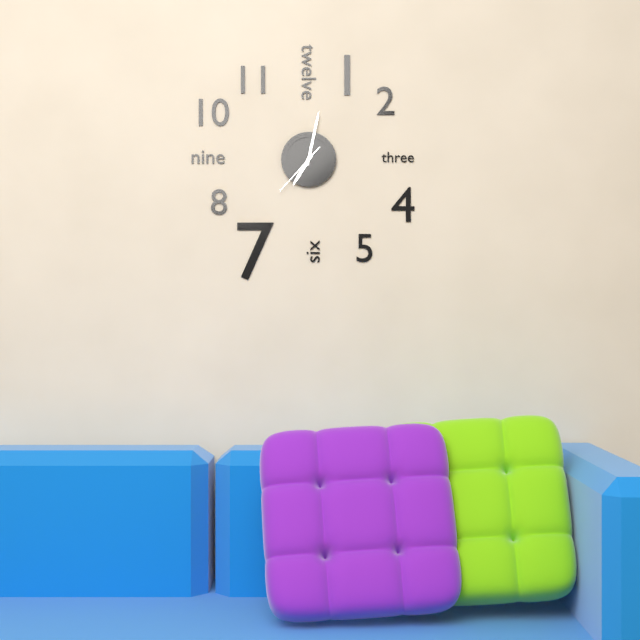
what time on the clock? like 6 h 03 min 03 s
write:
7 h 02 min 37 s
